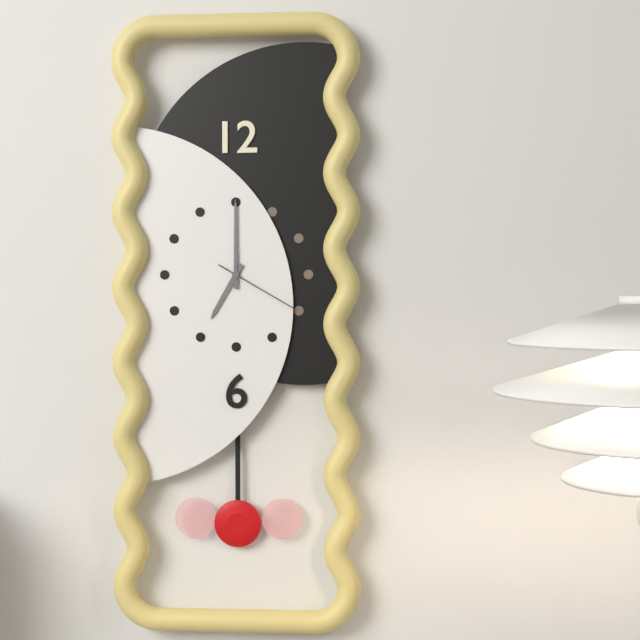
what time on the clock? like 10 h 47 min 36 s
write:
7 h 00 min 20 s
